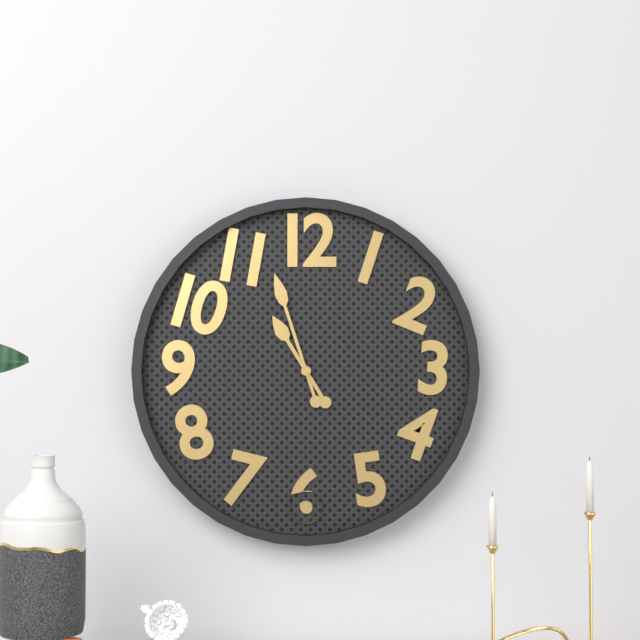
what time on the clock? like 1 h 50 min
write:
10 h 57 min
